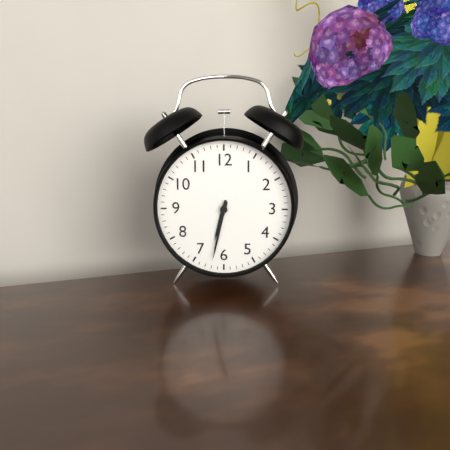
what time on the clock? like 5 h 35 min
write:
6 h 32 min
